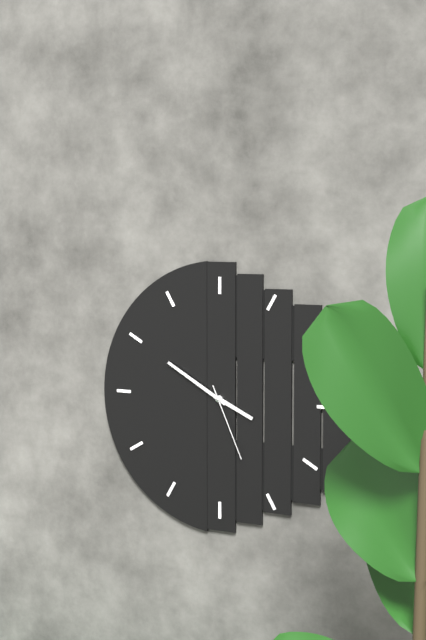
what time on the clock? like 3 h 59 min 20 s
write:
3 h 50 min 26 s
